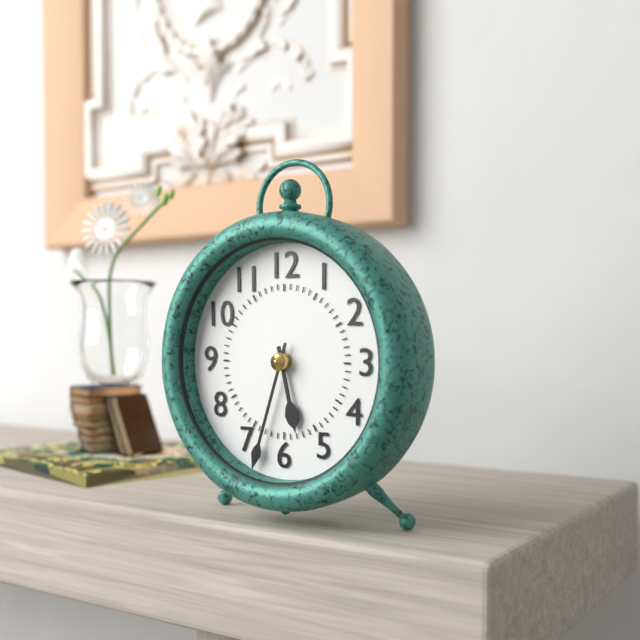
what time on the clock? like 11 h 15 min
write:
5 h 33 min
